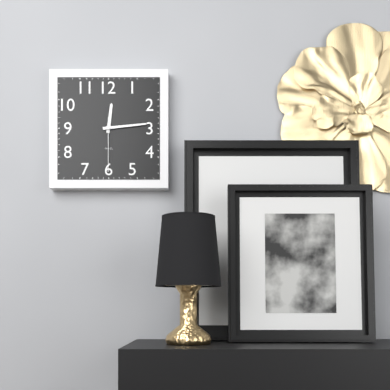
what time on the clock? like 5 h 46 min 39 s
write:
12 h 14 min 30 s
